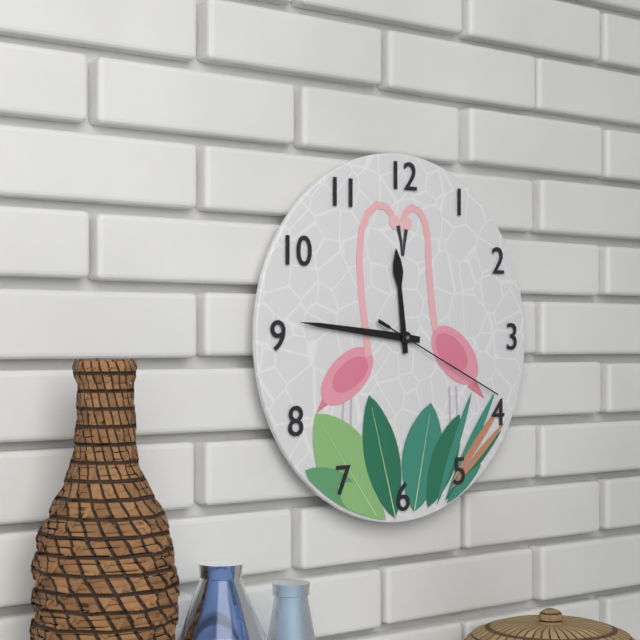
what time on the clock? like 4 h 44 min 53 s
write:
11 h 46 min 19 s
